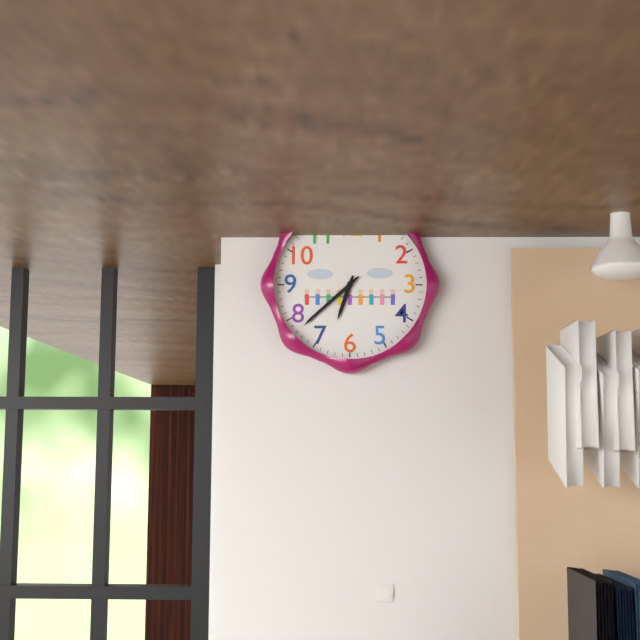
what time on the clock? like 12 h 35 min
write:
6 h 38 min
